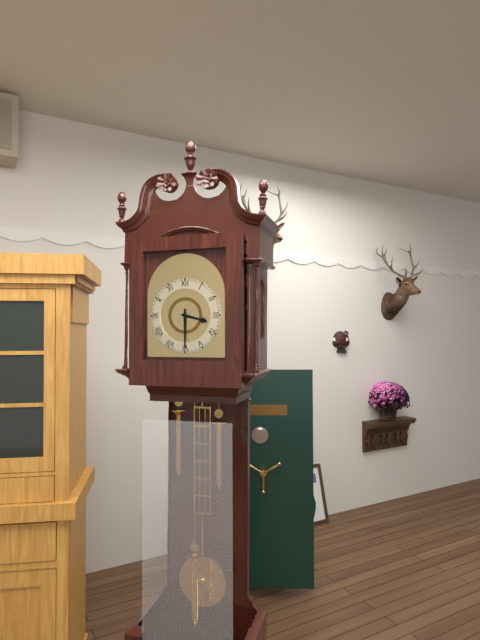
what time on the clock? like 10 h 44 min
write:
3 h 30 min
